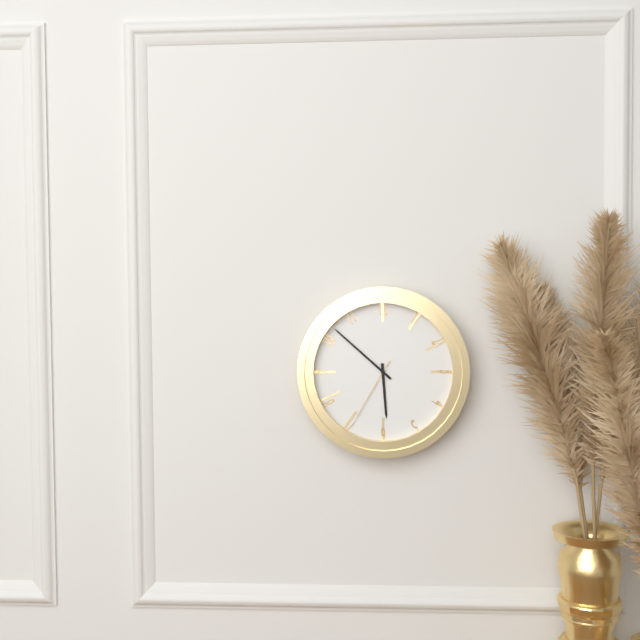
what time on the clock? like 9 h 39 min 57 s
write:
5 h 52 min 35 s
